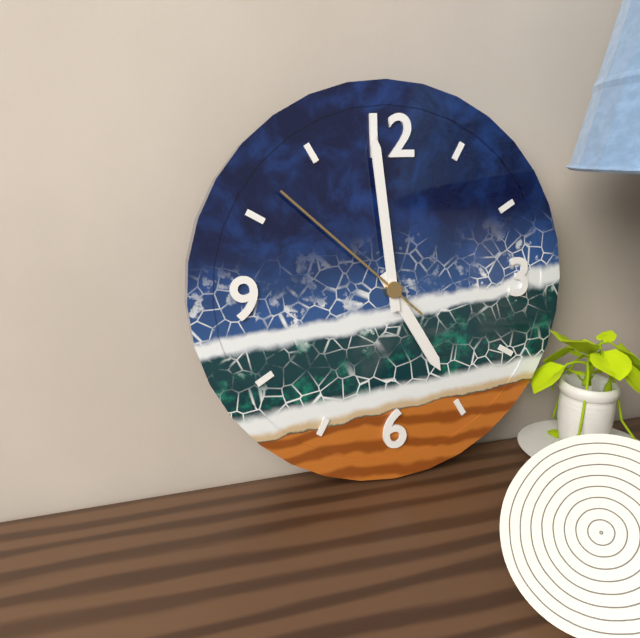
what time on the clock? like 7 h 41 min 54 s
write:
4 h 59 min 52 s
